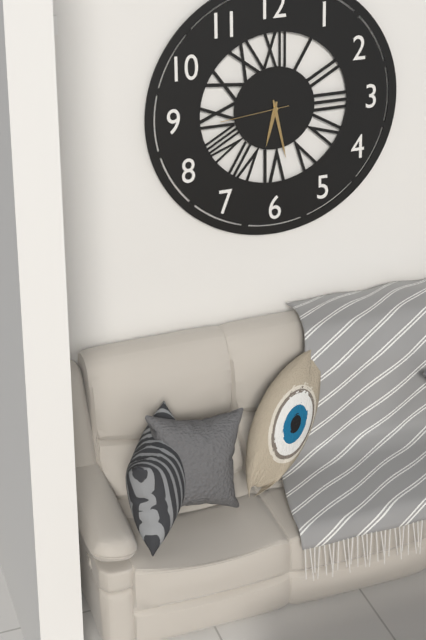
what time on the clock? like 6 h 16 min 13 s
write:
6 h 28 min 44 s
